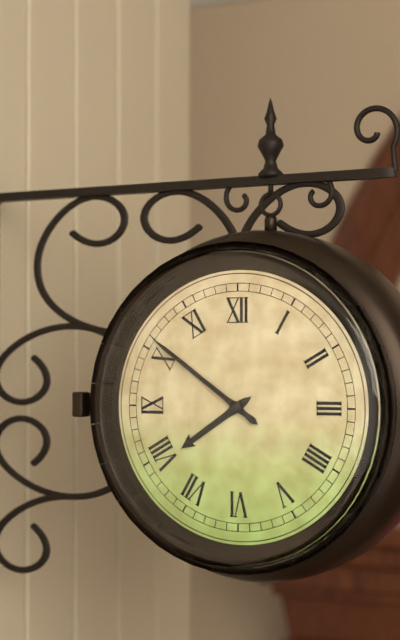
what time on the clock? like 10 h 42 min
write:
7 h 51 min
